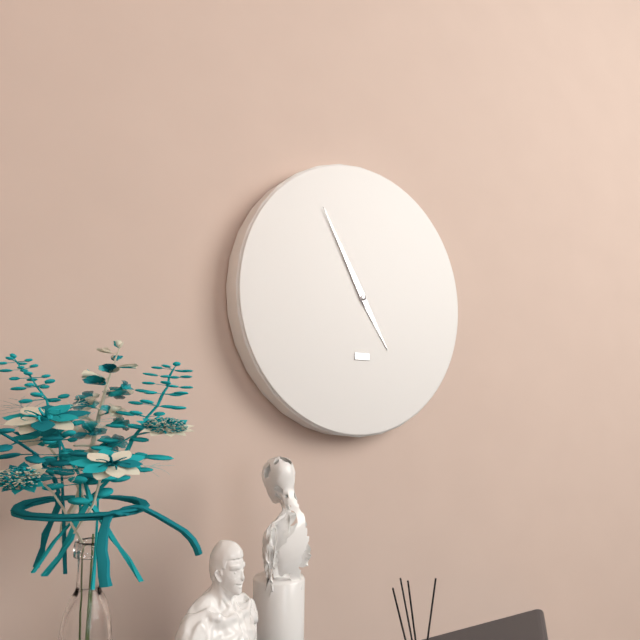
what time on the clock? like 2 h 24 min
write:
4 h 55 min
